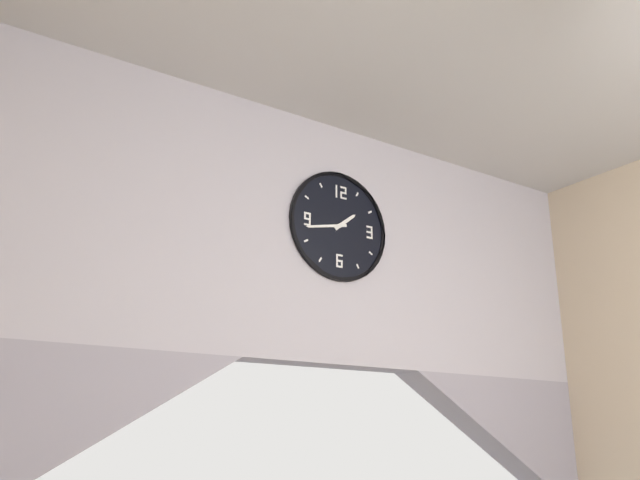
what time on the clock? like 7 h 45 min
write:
1 h 43 min
